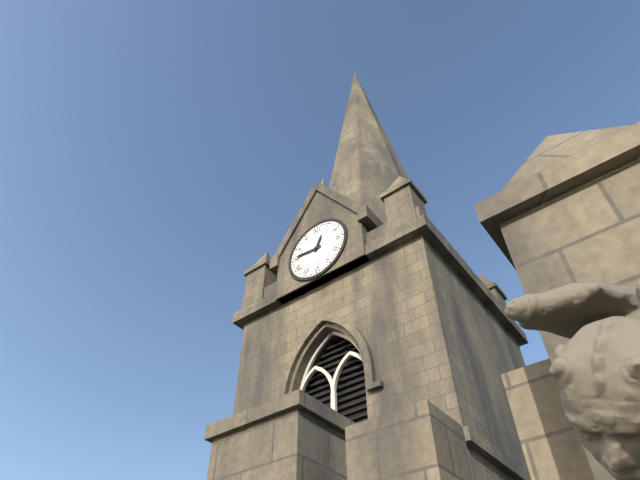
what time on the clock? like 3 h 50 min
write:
12 h 46 min
